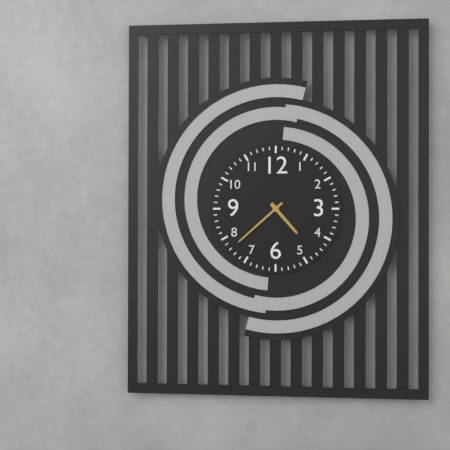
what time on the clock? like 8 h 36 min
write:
4 h 38 min
